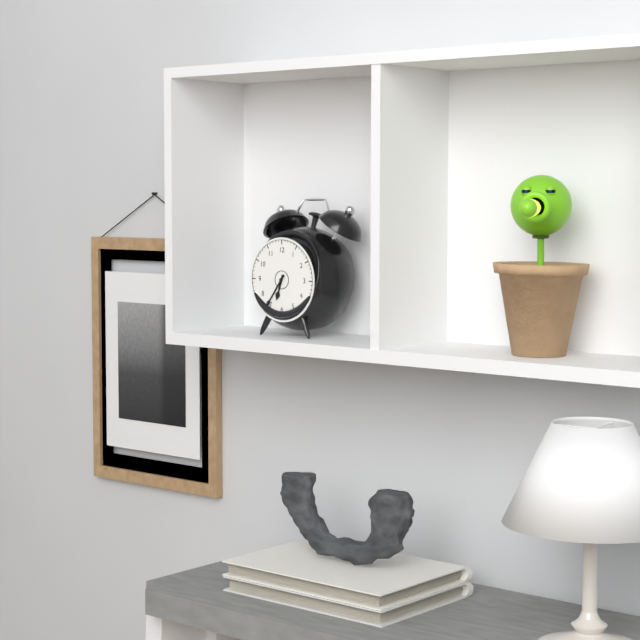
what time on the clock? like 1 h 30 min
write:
6 h 36 min
